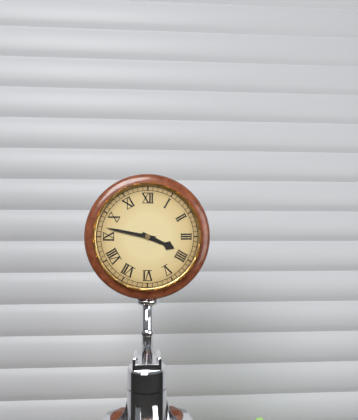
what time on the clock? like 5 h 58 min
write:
3 h 47 min
